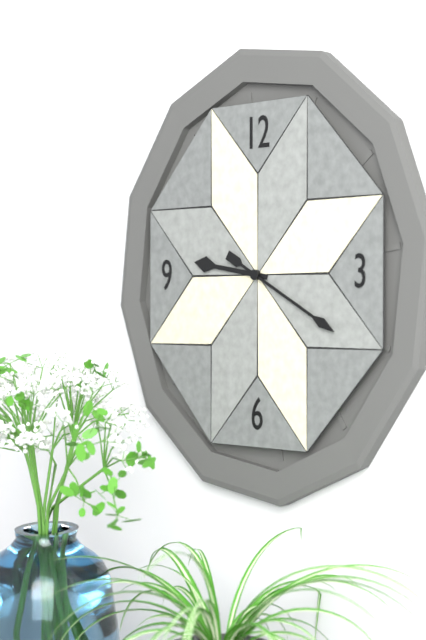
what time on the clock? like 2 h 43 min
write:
9 h 20 min
